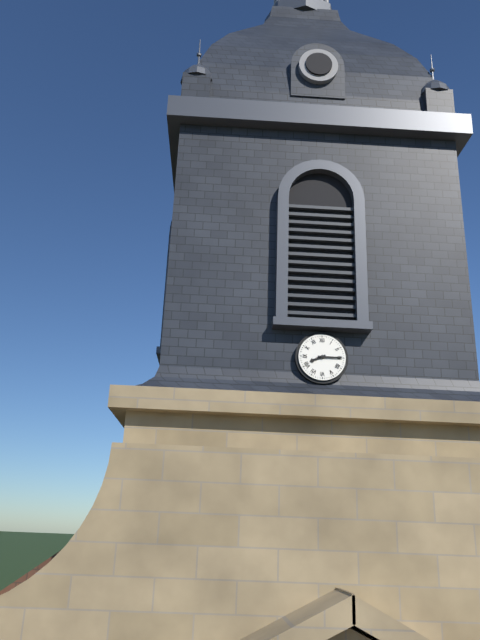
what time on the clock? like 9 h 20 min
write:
8 h 15 min
